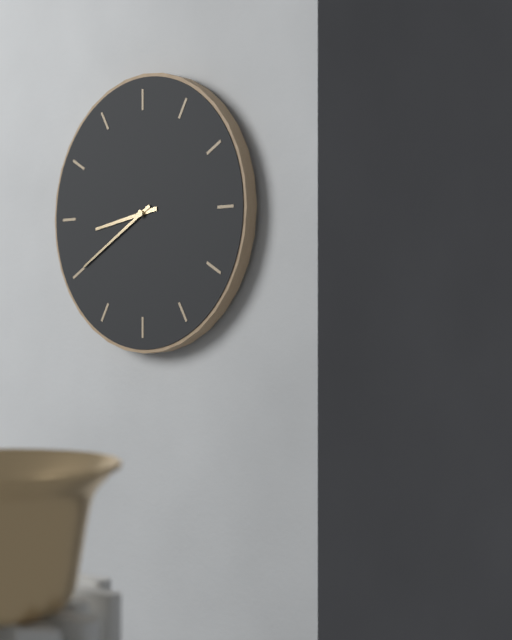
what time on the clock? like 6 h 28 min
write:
8 h 40 min
